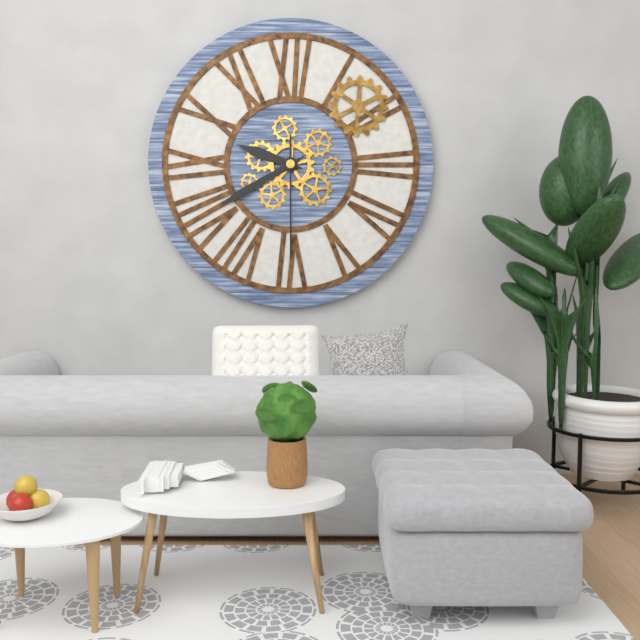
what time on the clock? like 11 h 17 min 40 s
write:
9 h 40 min 30 s
